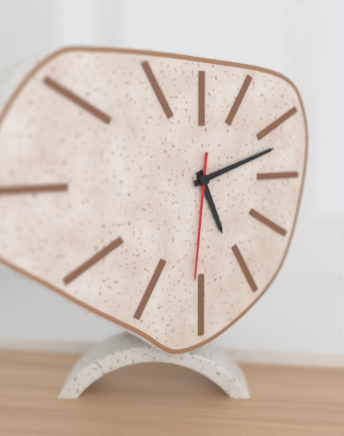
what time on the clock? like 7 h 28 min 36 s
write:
5 h 12 min 31 s
